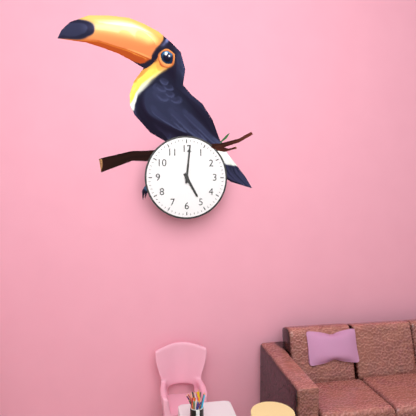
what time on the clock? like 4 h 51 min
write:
5 h 01 min
